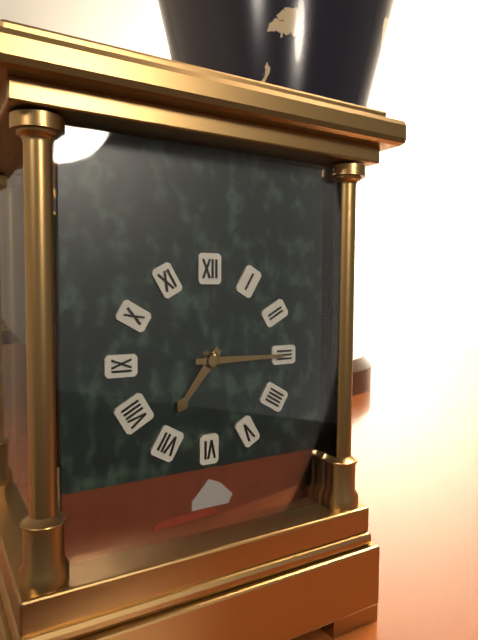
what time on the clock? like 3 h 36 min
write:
7 h 15 min
